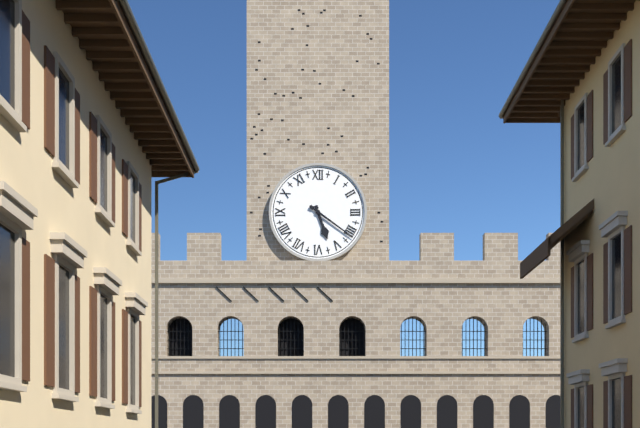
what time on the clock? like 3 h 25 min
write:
5 h 21 min
